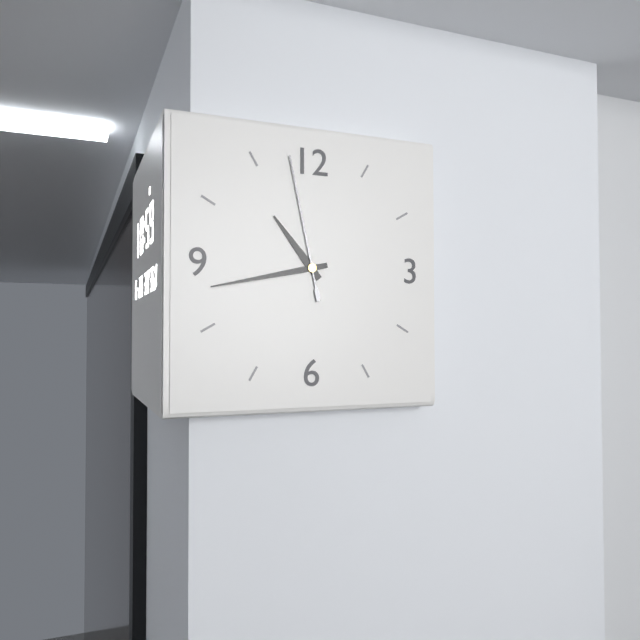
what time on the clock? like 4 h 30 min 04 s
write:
10 h 43 min 58 s
